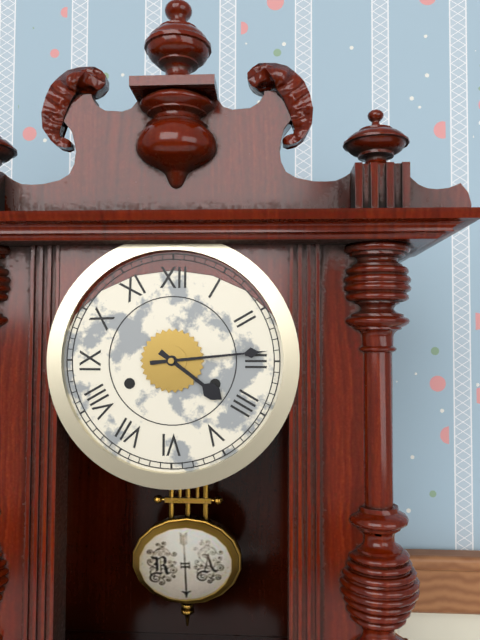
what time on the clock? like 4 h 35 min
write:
4 h 14 min
